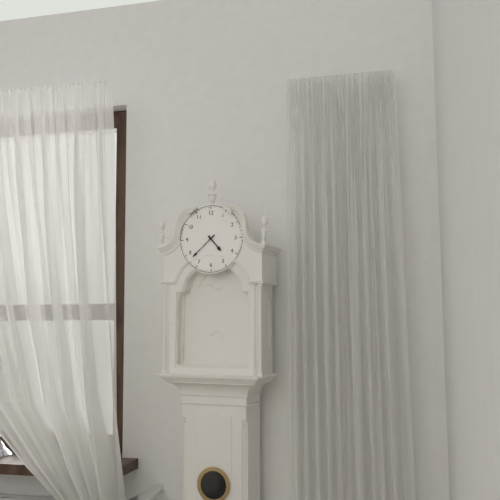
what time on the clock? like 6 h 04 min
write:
4 h 38 min
